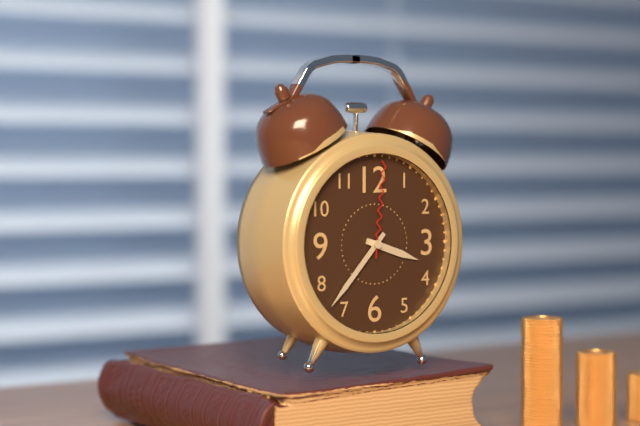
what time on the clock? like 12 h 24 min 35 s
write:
3 h 37 min 01 s
